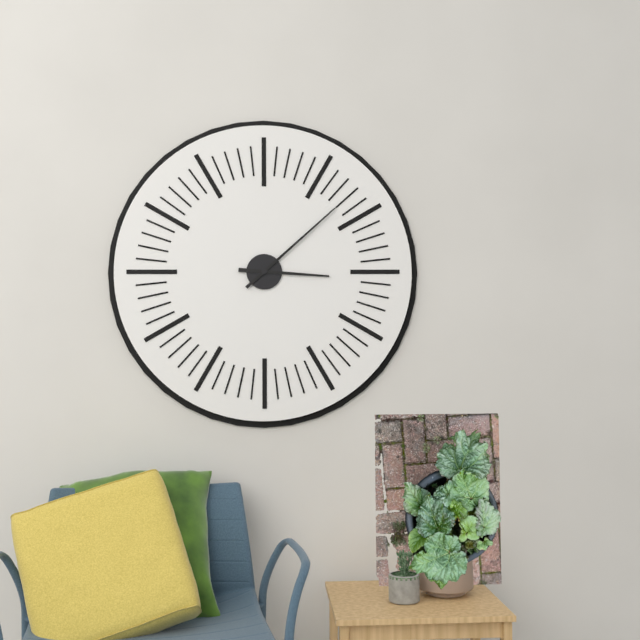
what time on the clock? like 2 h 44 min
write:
3 h 08 min
